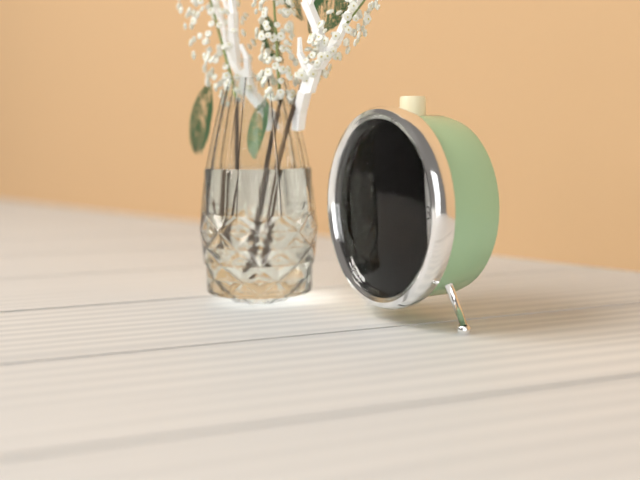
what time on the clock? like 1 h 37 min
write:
2 h 39 min
